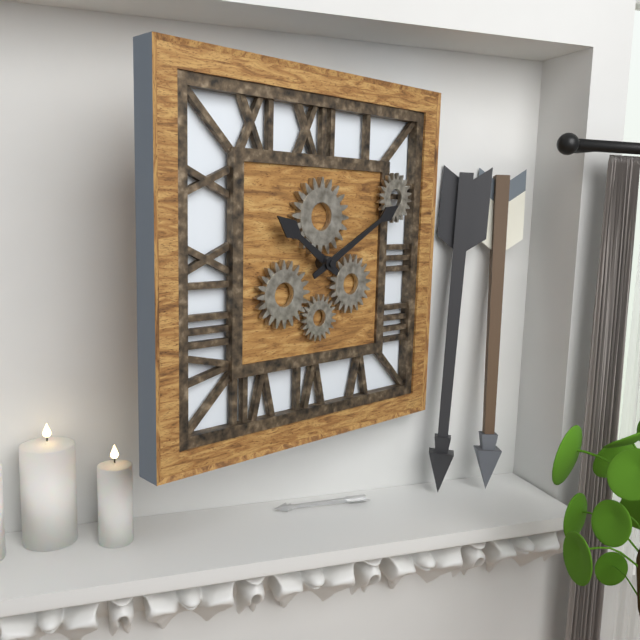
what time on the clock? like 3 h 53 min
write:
10 h 10 min
